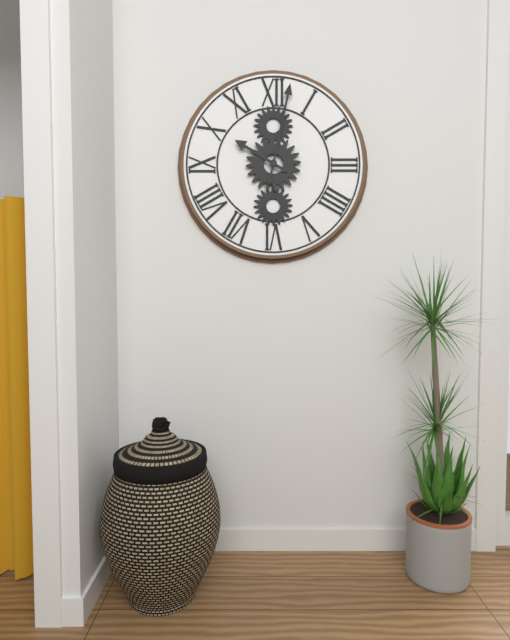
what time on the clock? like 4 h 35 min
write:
10 h 02 min
